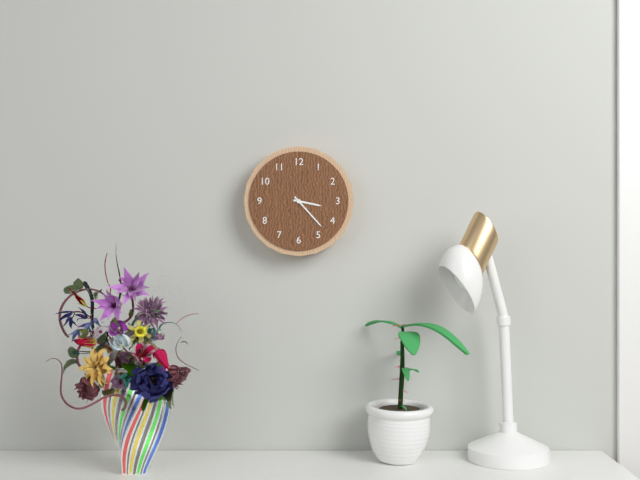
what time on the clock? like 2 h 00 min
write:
3 h 23 min
